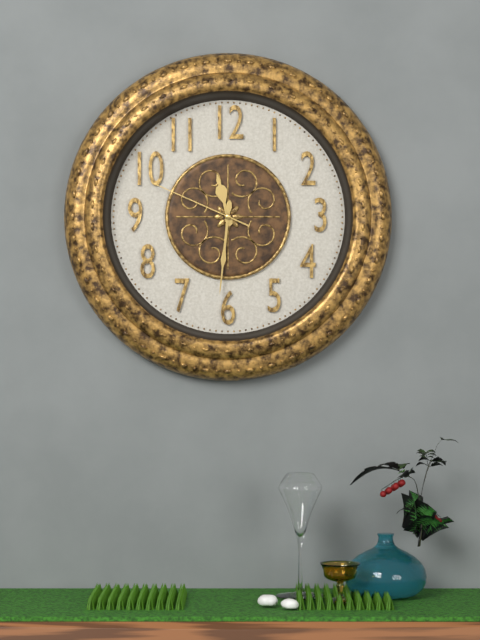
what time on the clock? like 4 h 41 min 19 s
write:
11 h 31 min 49 s
